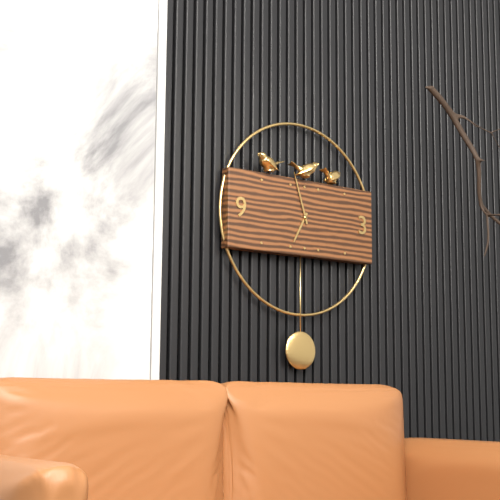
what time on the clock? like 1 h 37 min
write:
6 h 57 min
